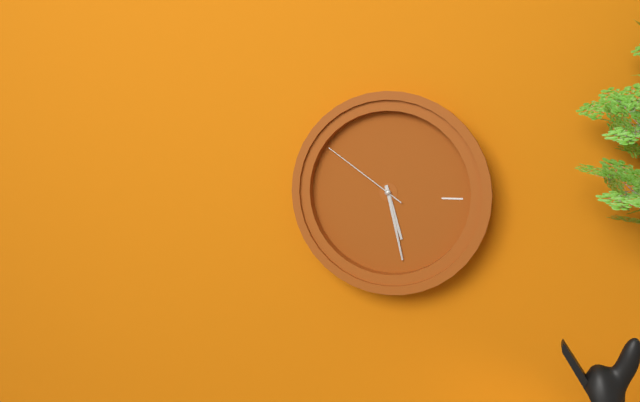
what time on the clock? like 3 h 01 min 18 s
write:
5 h 28 min 51 s
